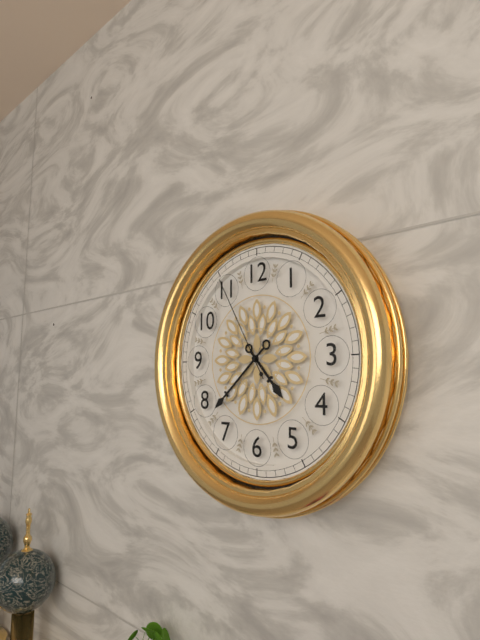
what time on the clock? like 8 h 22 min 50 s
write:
4 h 38 min 55 s
